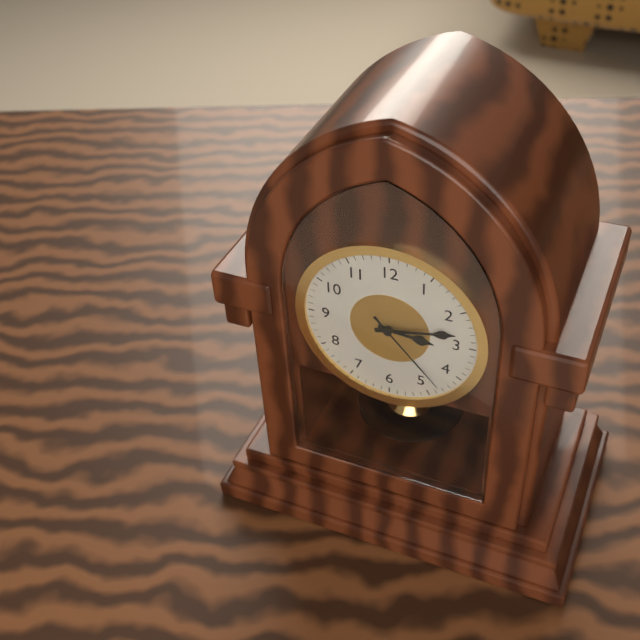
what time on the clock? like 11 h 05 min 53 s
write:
3 h 13 min 23 s
